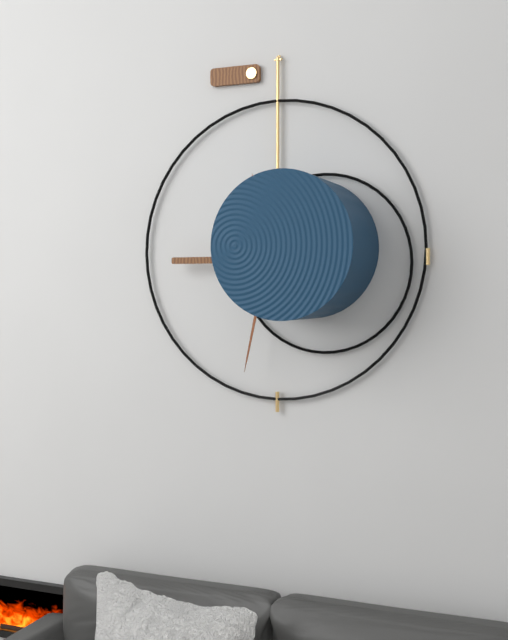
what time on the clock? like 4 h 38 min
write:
11 h 32 min
